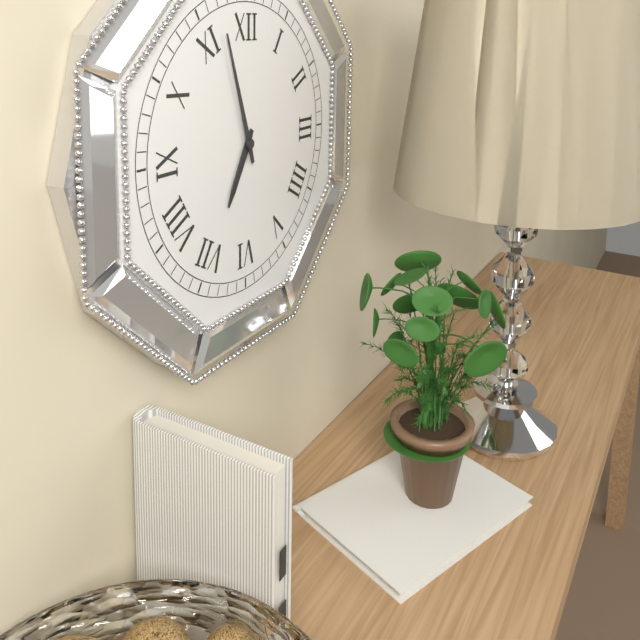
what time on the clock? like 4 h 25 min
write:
6 h 57 min
